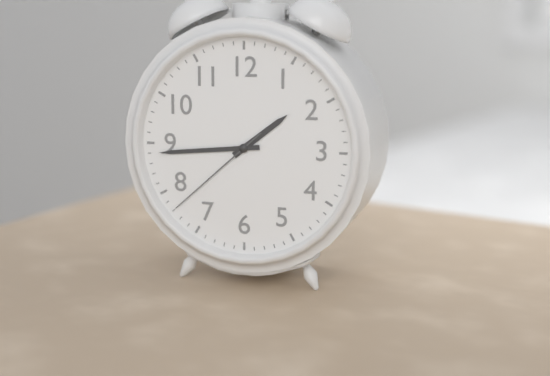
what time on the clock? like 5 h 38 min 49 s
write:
1 h 44 min 38 s
